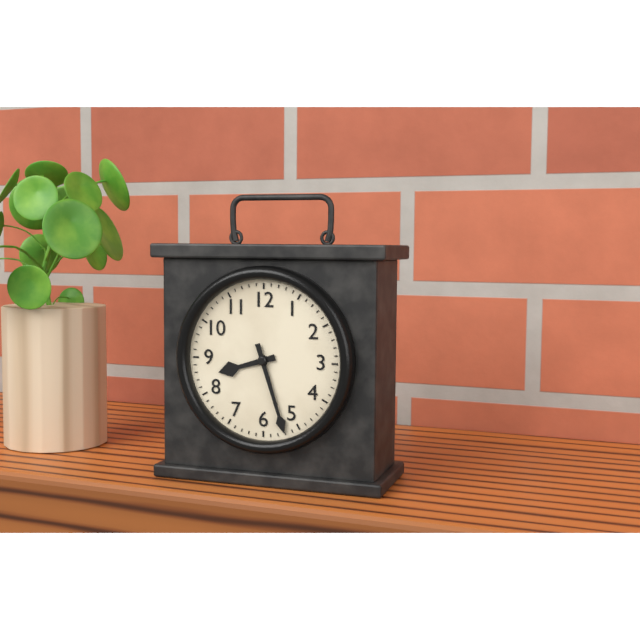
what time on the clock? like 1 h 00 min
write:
8 h 27 min
